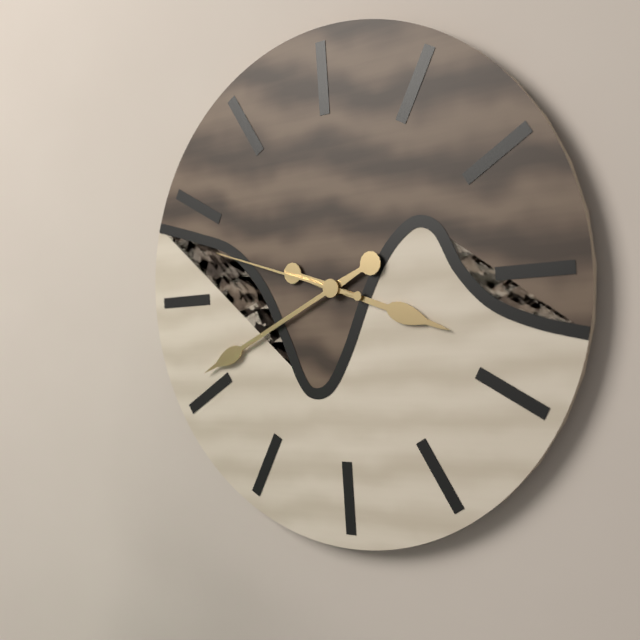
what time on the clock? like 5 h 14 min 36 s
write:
3 h 41 min 48 s
